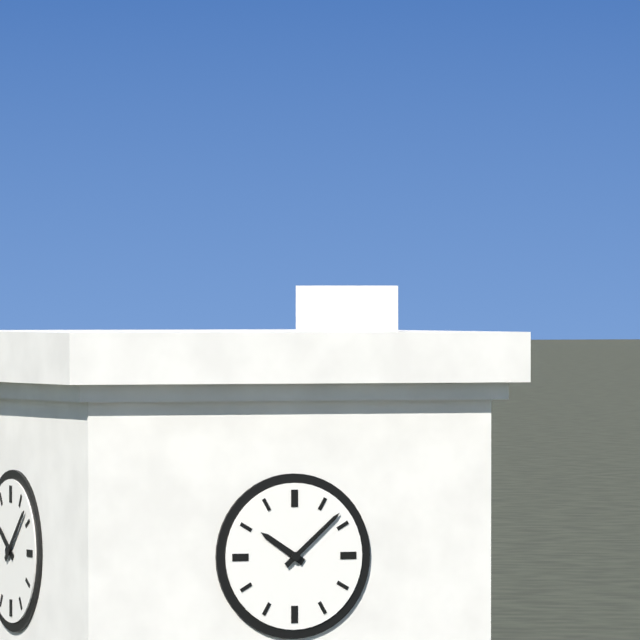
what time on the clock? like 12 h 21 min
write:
10 h 08 min
